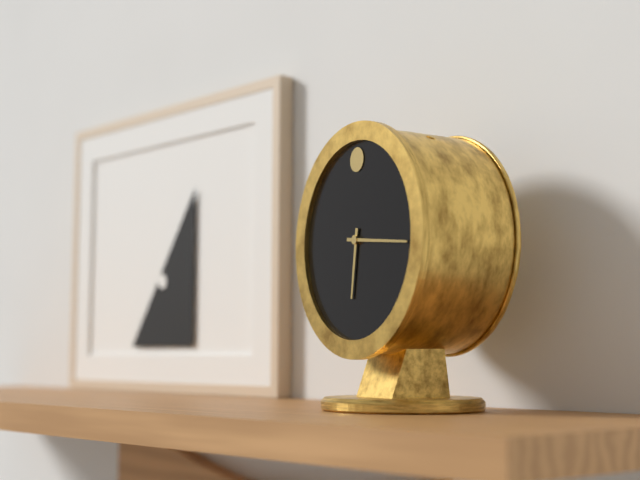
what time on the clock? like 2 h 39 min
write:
6 h 16 min
